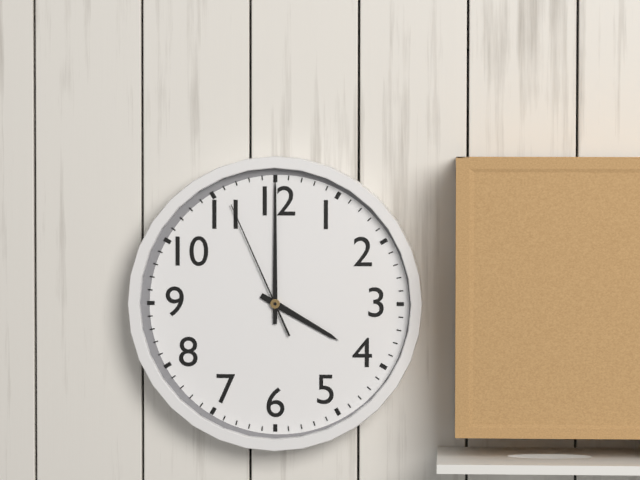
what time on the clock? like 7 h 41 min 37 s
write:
4 h 00 min 56 s
